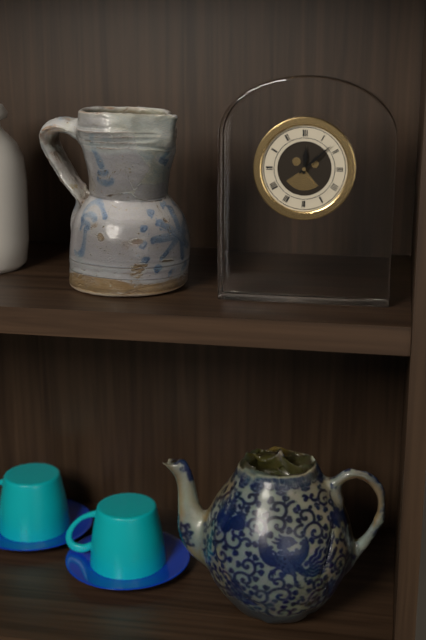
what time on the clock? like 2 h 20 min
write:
12 h 08 min
